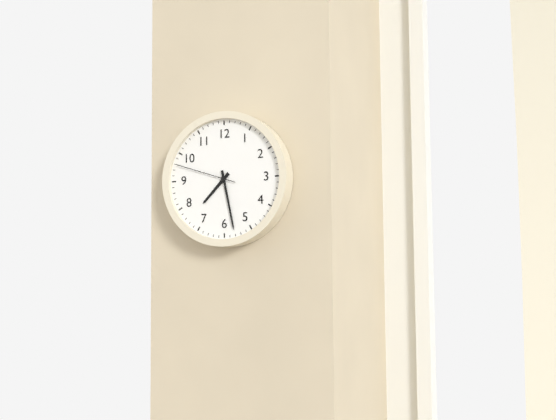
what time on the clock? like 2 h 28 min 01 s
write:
7 h 28 min 48 s
